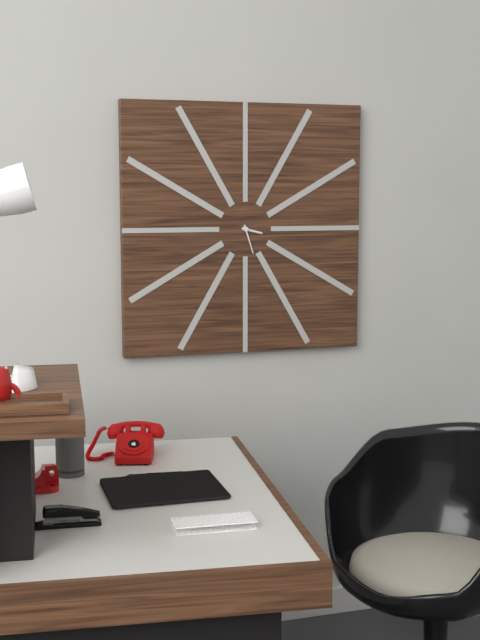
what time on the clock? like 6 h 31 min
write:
3 h 27 min
